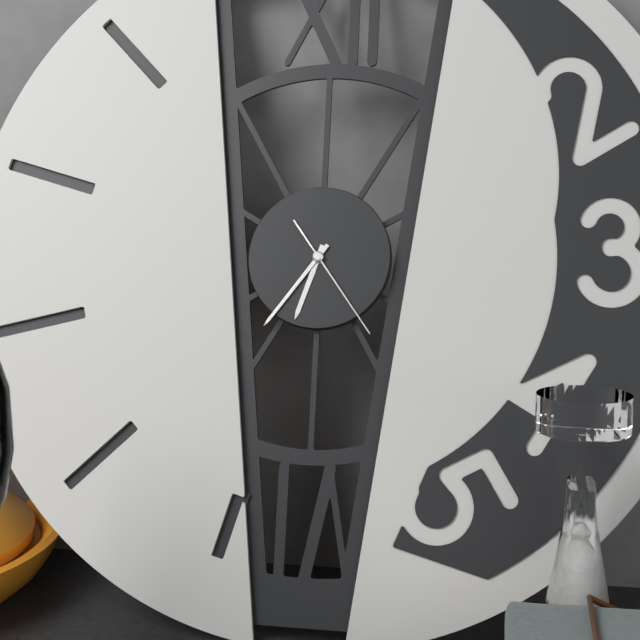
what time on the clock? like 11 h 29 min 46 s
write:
6 h 36 min 24 s
